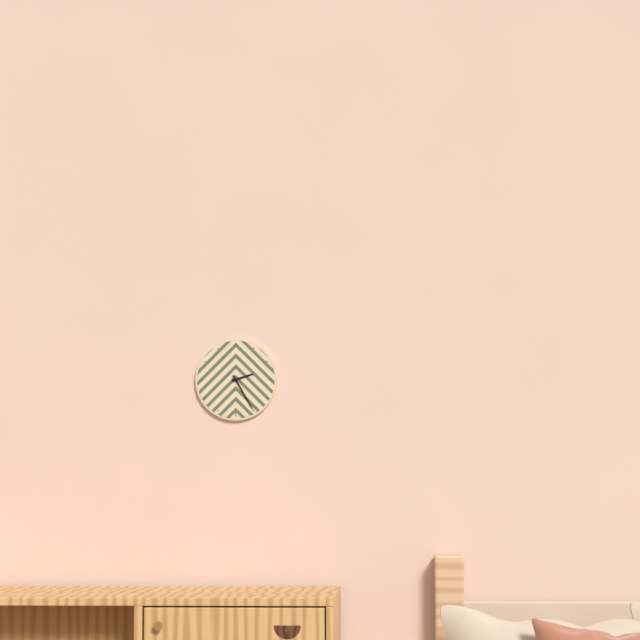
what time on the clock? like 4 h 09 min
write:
2 h 25 min
